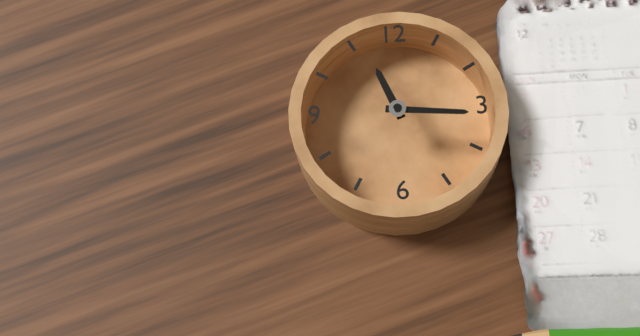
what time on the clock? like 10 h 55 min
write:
11 h 16 min
